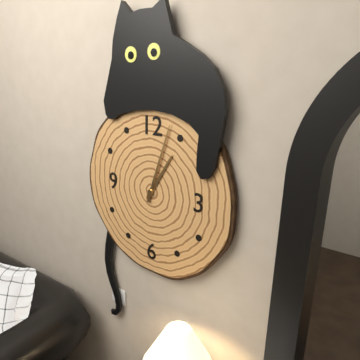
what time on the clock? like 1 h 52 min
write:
1 h 03 min
